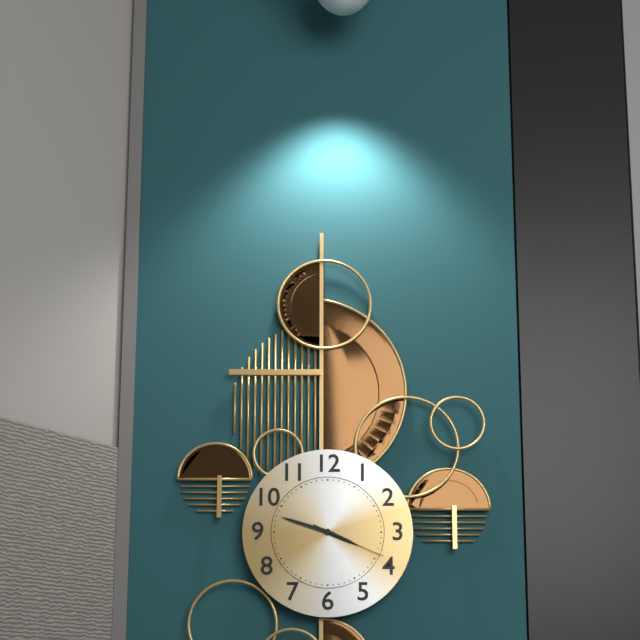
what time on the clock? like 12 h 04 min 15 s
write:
3 h 48 min 19 s
